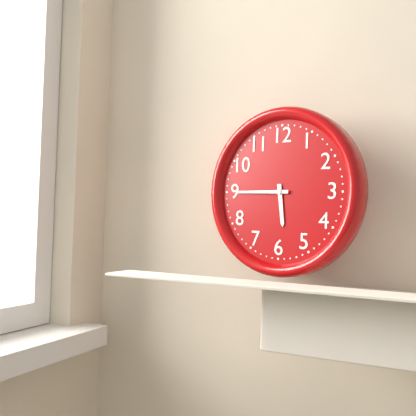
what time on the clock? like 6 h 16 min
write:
5 h 45 min
